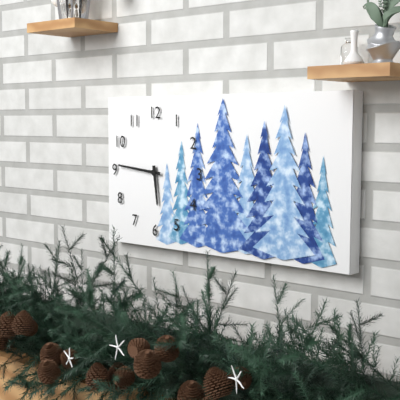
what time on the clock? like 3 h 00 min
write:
5 h 46 min
